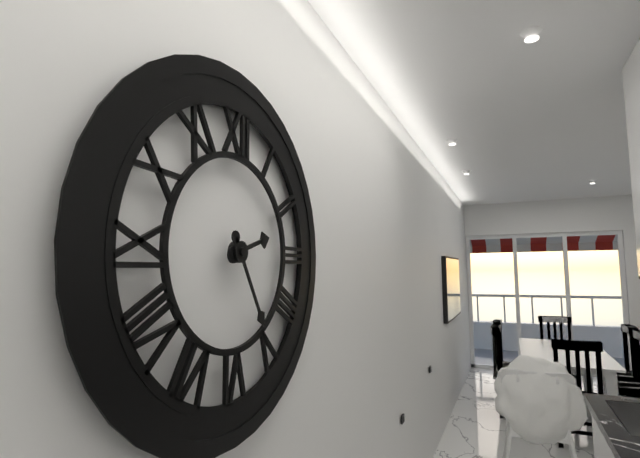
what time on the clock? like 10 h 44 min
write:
2 h 25 min
